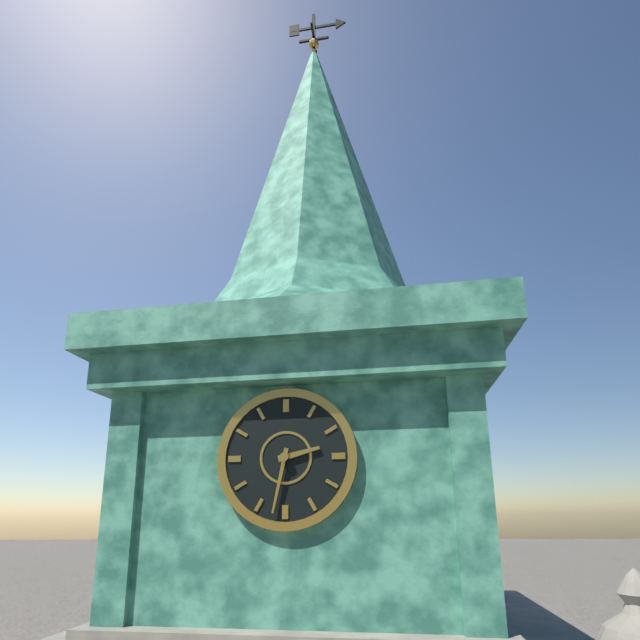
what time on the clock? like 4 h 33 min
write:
2 h 32 min
